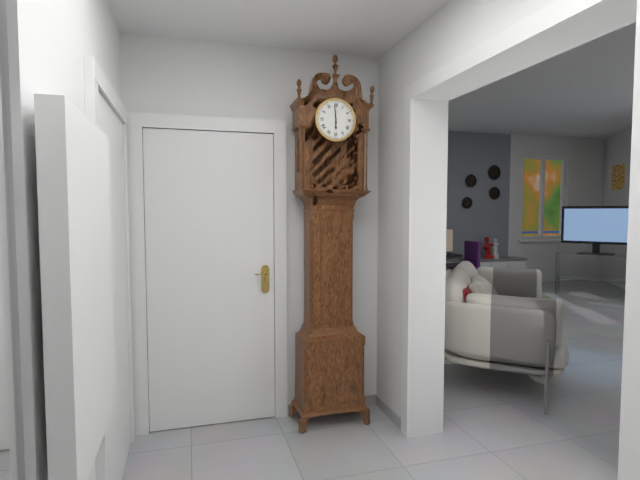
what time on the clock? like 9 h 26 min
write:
5 h 59 min
